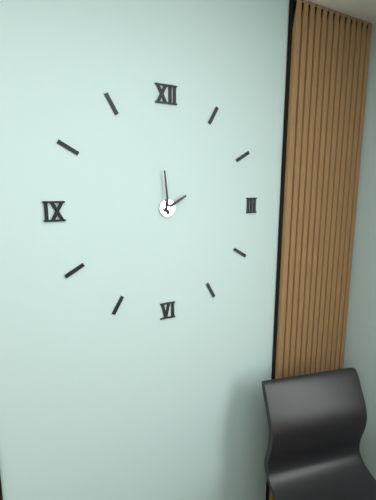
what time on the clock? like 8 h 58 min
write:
1 h 59 min
